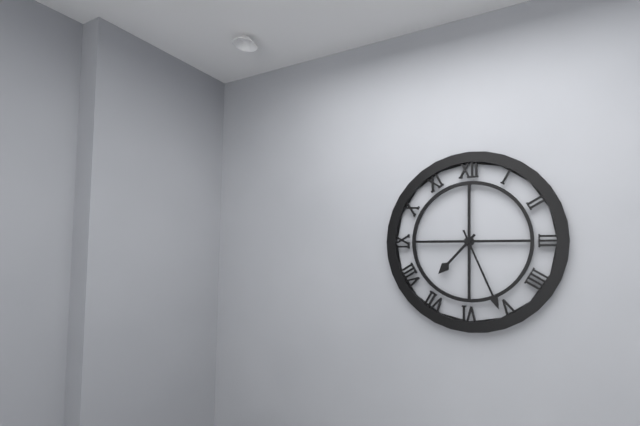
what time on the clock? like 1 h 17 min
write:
7 h 26 min
